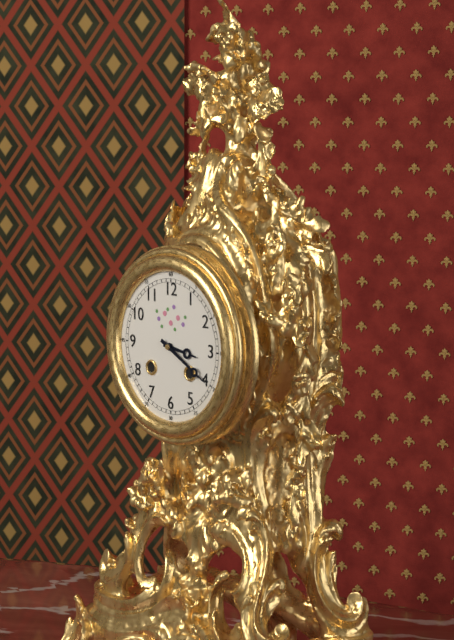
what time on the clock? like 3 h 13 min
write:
3 h 20 min
